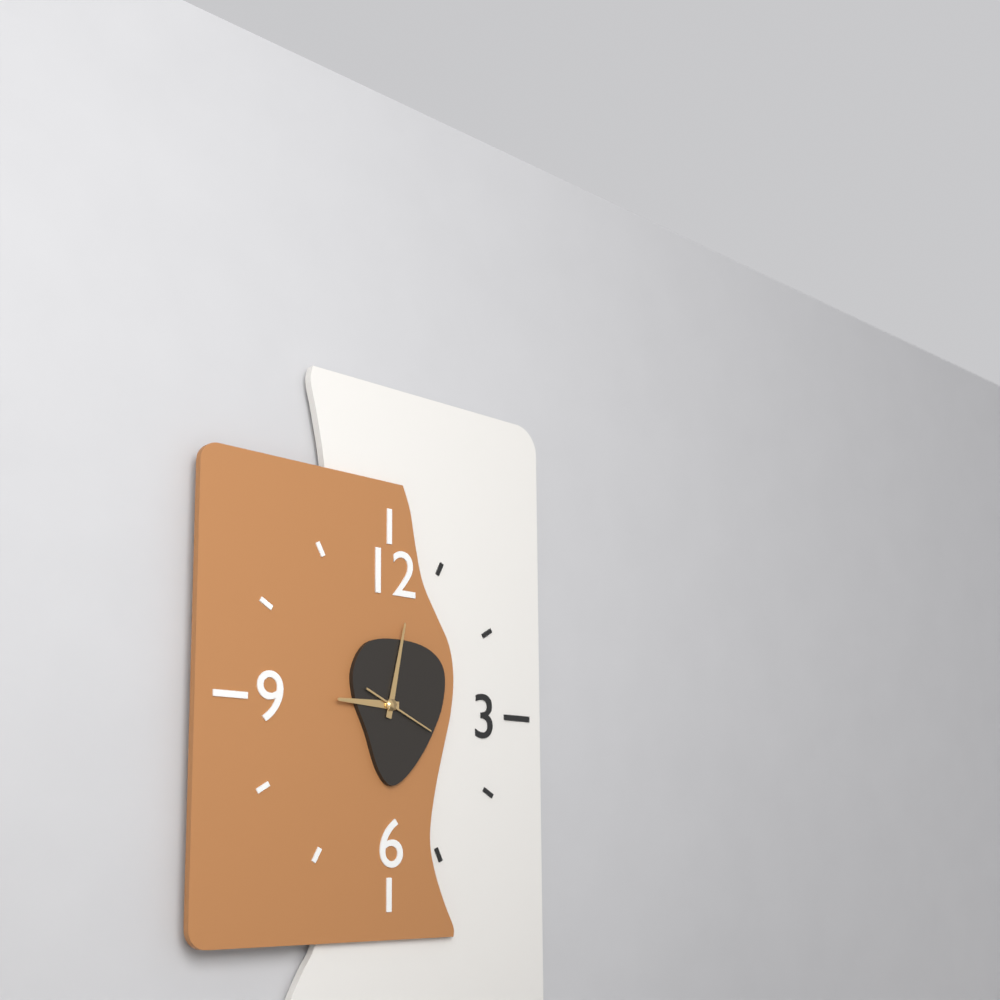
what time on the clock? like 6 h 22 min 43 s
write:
9 h 02 min 19 s
